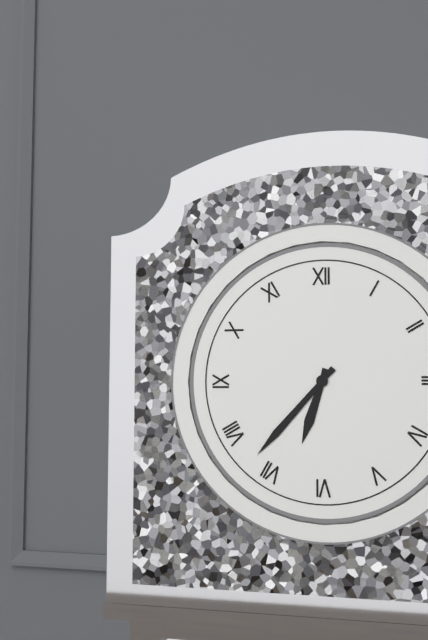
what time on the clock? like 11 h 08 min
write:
6 h 37 min
